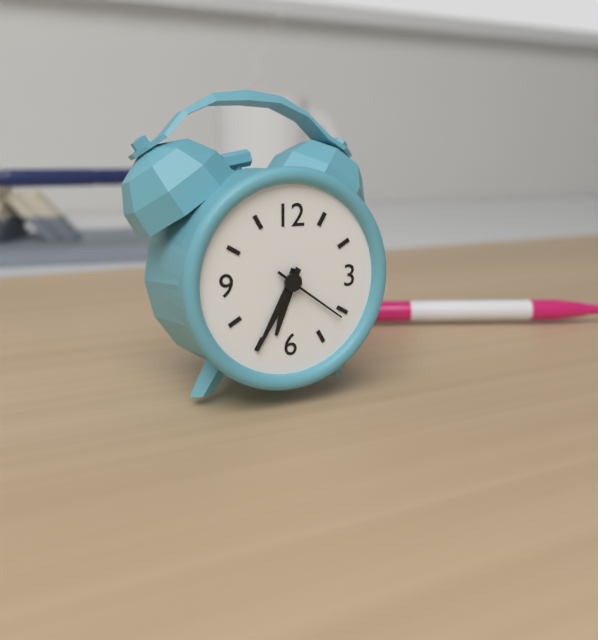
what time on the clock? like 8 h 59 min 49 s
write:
6 h 35 min 21 s
